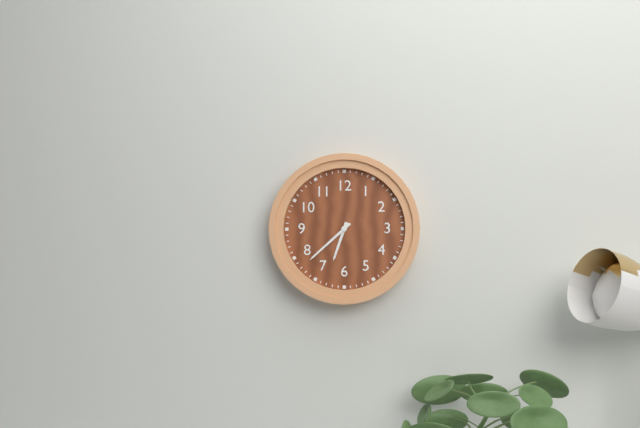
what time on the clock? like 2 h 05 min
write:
6 h 38 min
